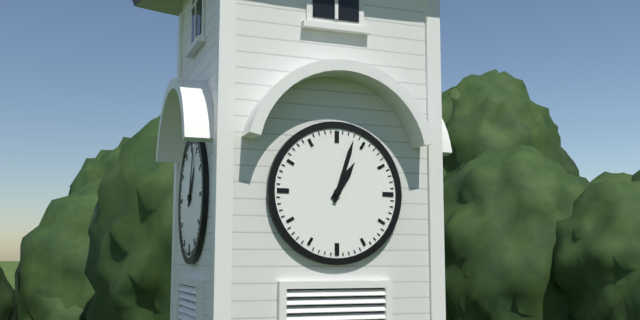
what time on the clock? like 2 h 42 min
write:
1 h 03 min
